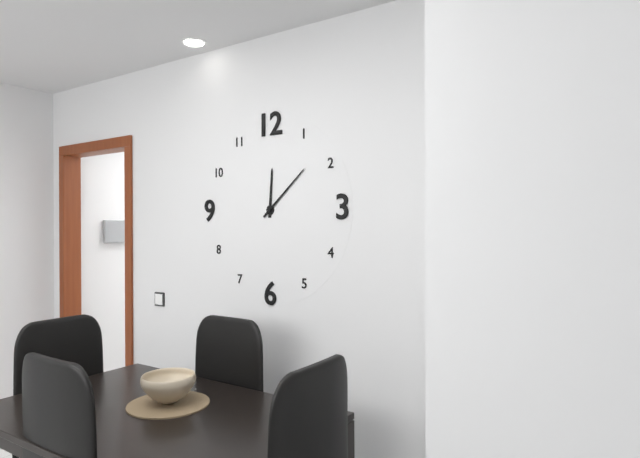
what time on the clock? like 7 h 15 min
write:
12 h 08 min
